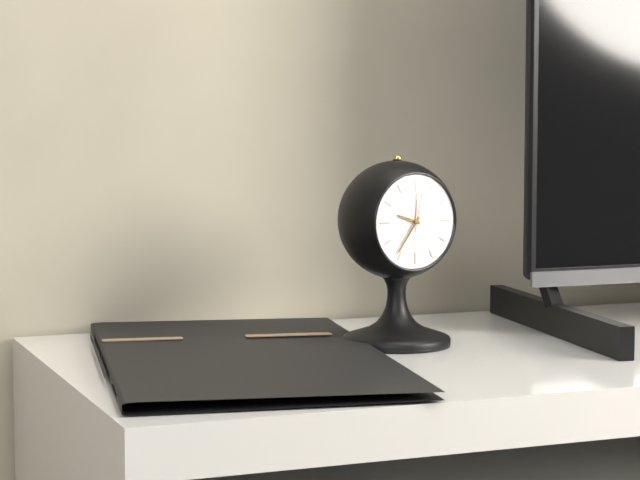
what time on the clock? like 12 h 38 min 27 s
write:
9 h 36 min 02 s
